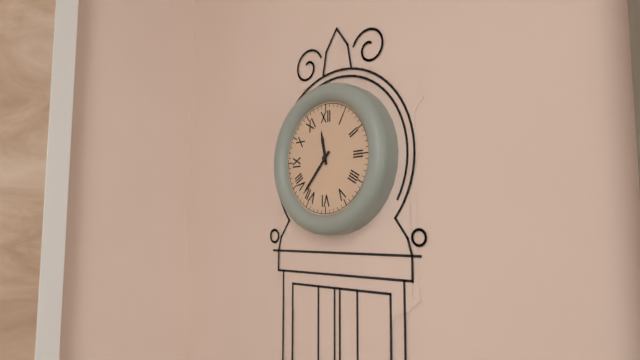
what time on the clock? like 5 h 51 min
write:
11 h 37 min
